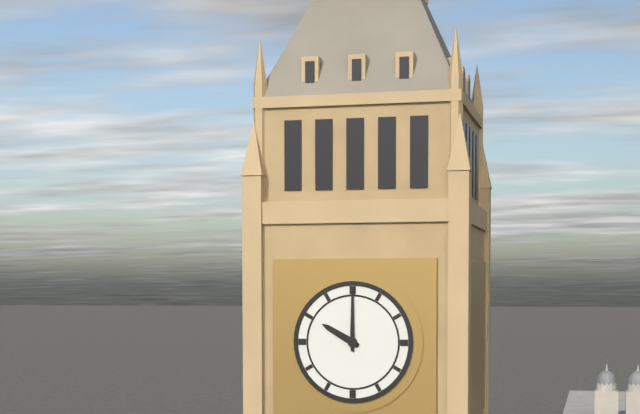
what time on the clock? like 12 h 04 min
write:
10 h 00 min
